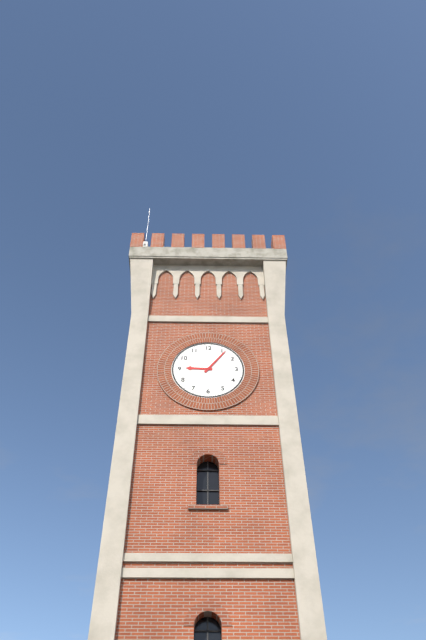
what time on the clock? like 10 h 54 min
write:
9 h 06 min
